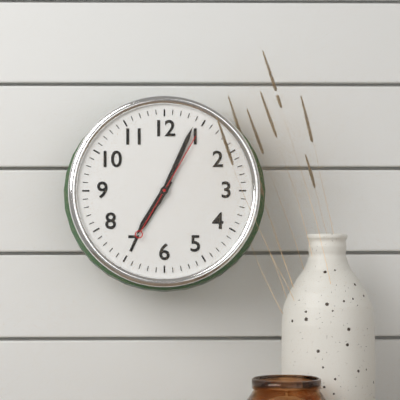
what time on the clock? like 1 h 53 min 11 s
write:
7 h 04 min 05 s
